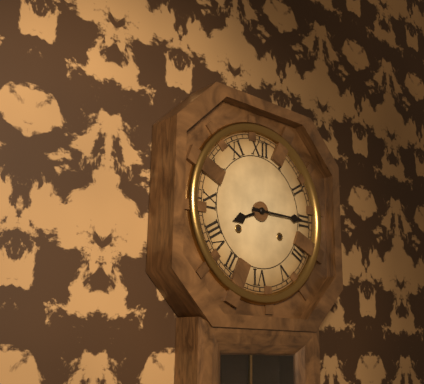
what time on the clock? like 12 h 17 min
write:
8 h 15 min
